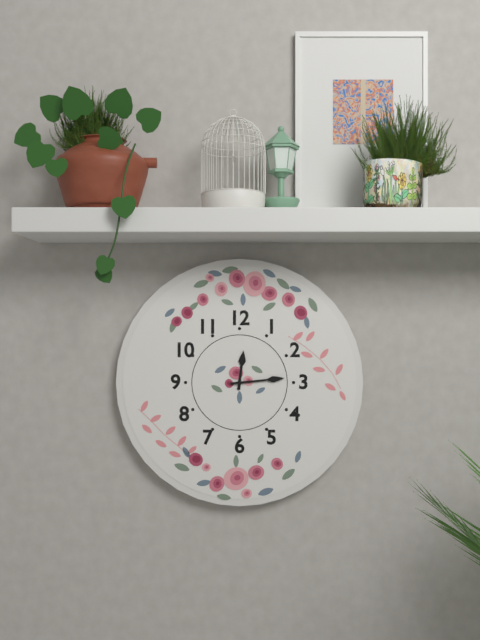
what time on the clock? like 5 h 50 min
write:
12 h 14 min
